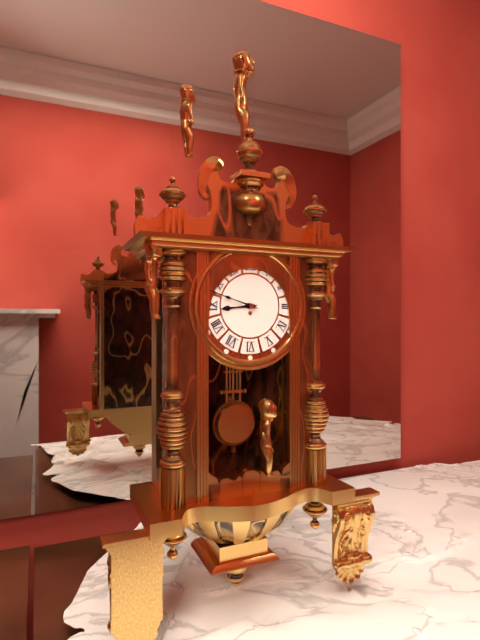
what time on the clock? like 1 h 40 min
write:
8 h 48 min
